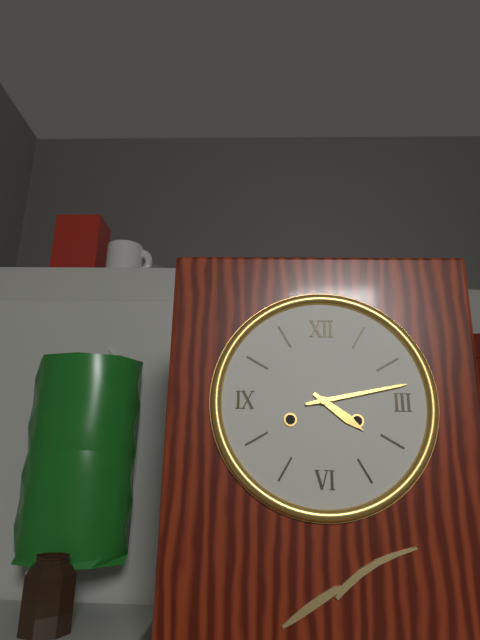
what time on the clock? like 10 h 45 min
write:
4 h 13 min
